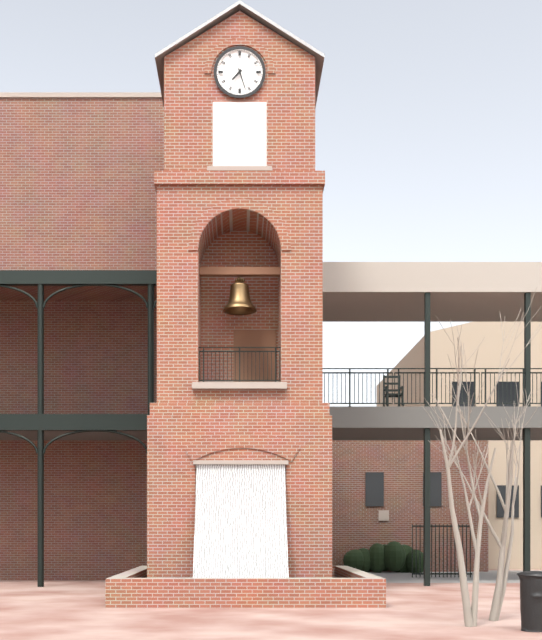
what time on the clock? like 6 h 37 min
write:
7 h 27 min
